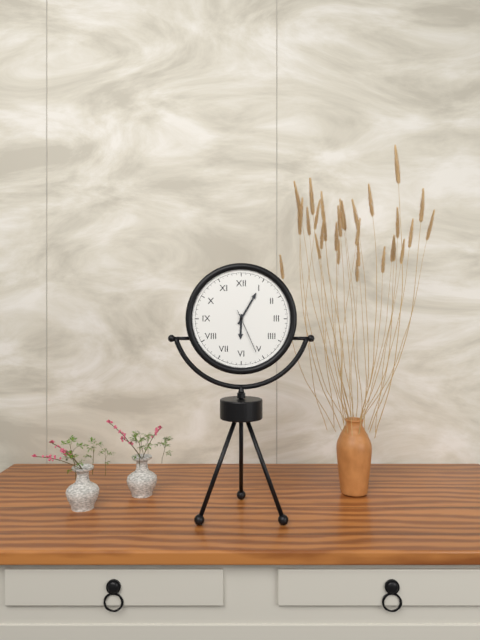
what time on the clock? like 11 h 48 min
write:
6 h 05 min
